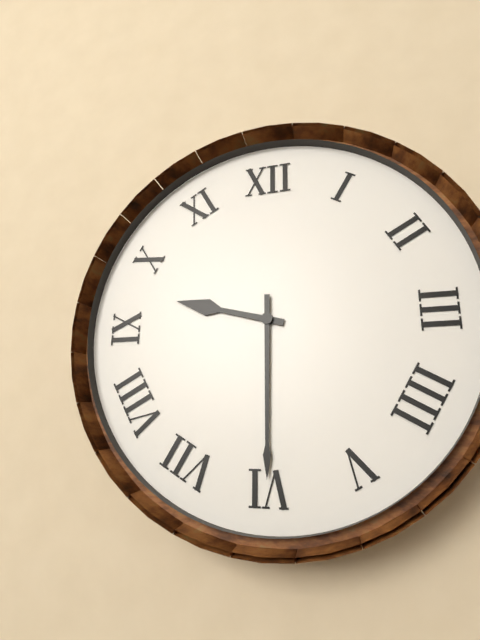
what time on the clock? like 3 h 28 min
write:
9 h 30 min
